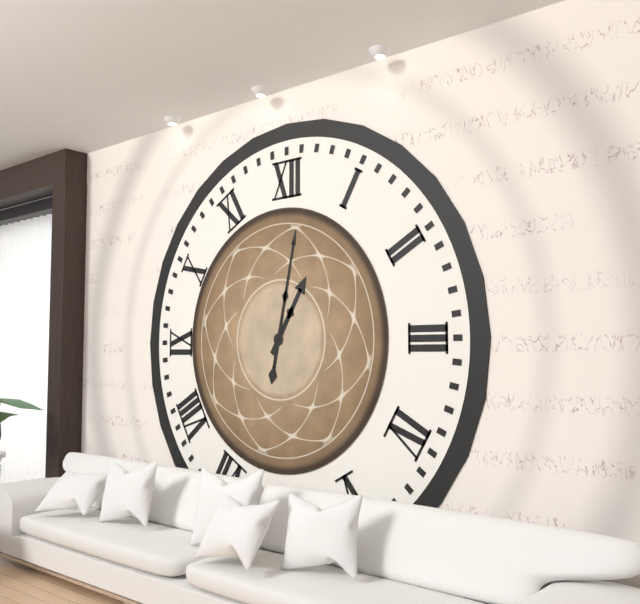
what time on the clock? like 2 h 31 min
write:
1 h 02 min
